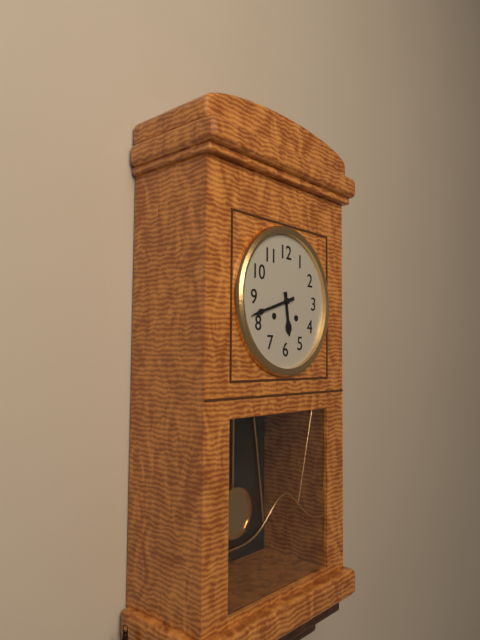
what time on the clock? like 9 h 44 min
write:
5 h 42 min
